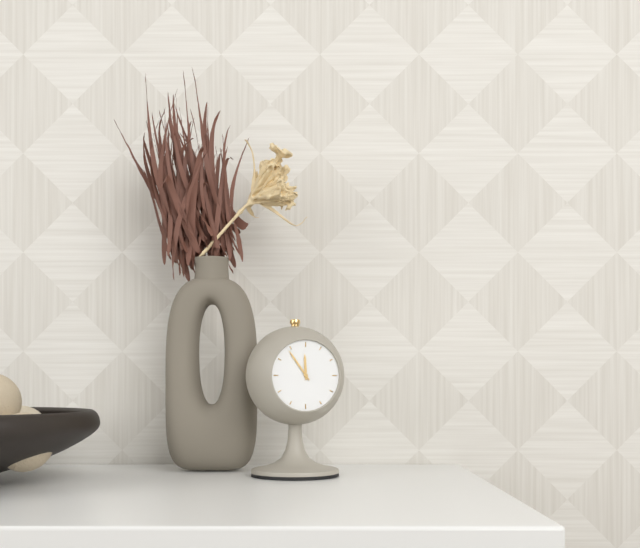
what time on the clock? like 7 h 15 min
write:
11 h 54 min
